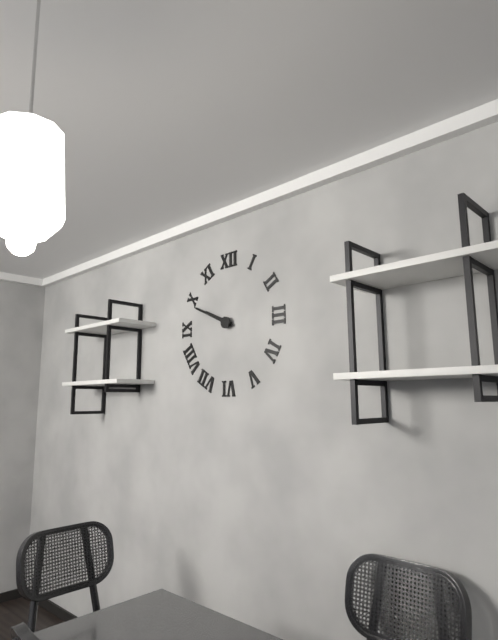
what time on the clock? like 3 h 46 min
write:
9 h 49 min
